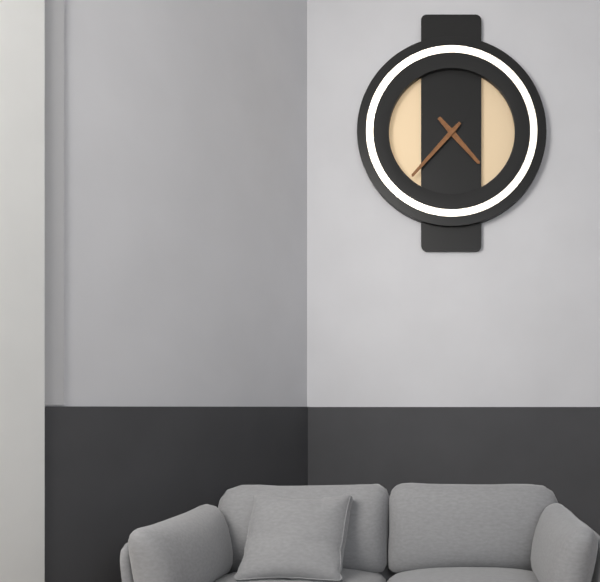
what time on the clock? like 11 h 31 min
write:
4 h 37 min
